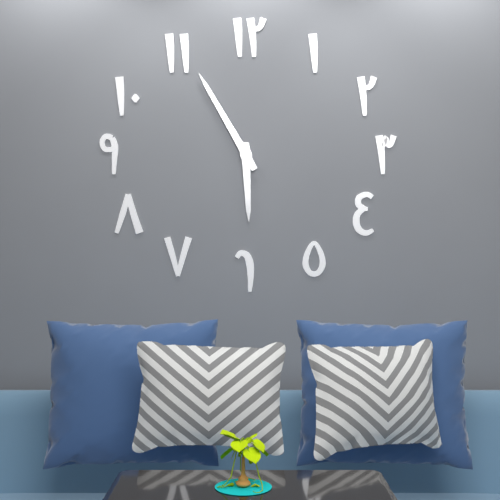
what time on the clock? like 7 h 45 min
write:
5 h 55 min
